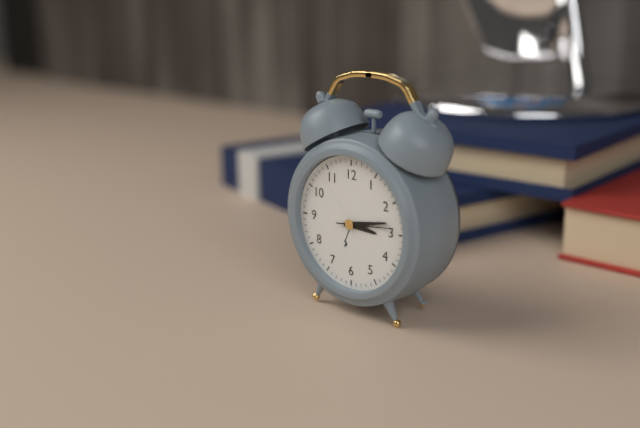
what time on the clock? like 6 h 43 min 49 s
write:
3 h 13 min 14 s
